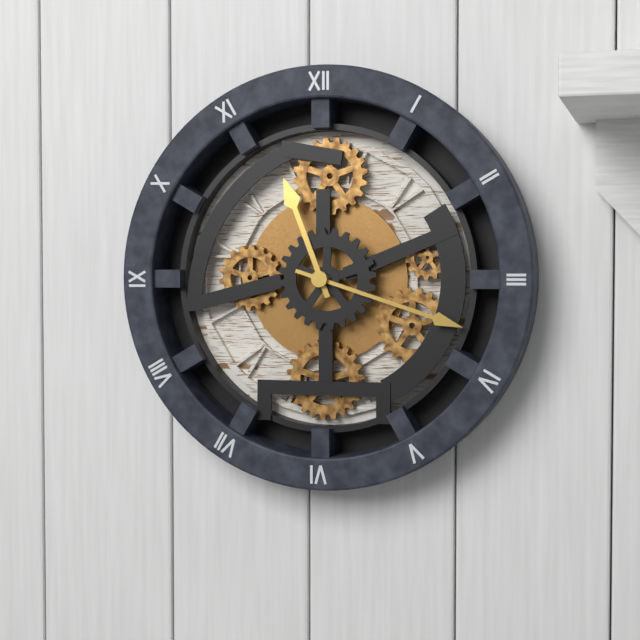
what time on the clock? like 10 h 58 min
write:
11 h 18 min
